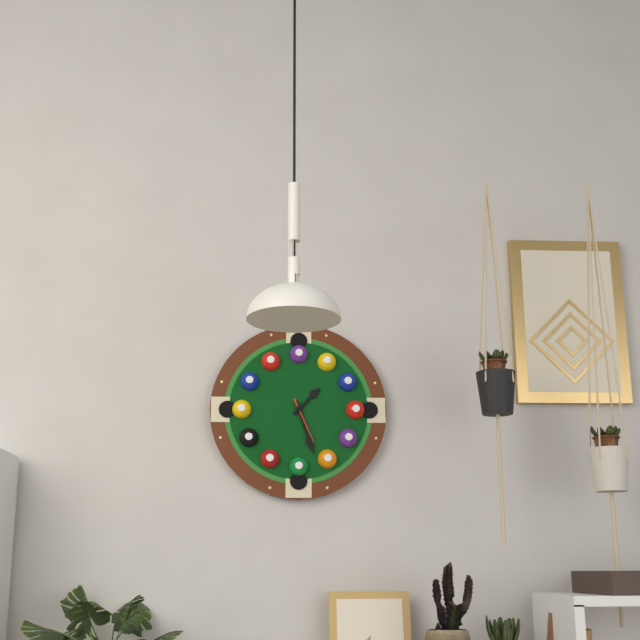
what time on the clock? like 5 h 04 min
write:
1 h 27 min
